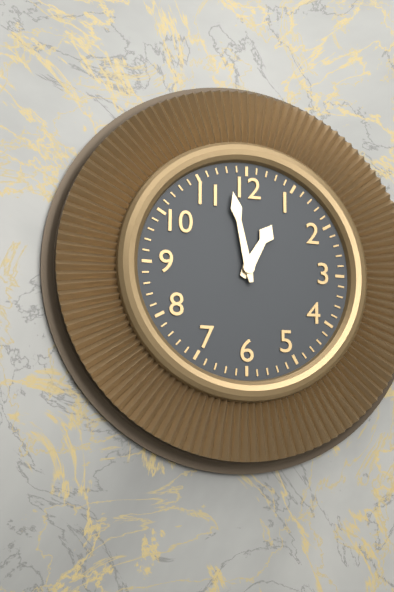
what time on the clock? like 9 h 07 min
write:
12 h 58 min
